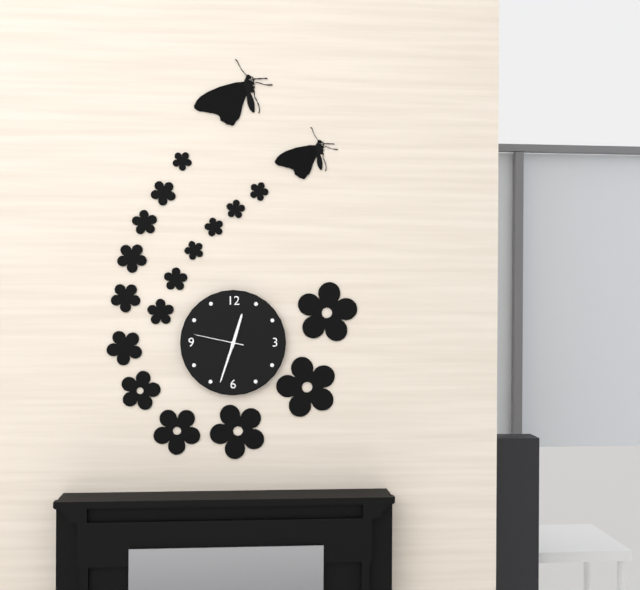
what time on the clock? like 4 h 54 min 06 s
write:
12 h 33 min 47 s
